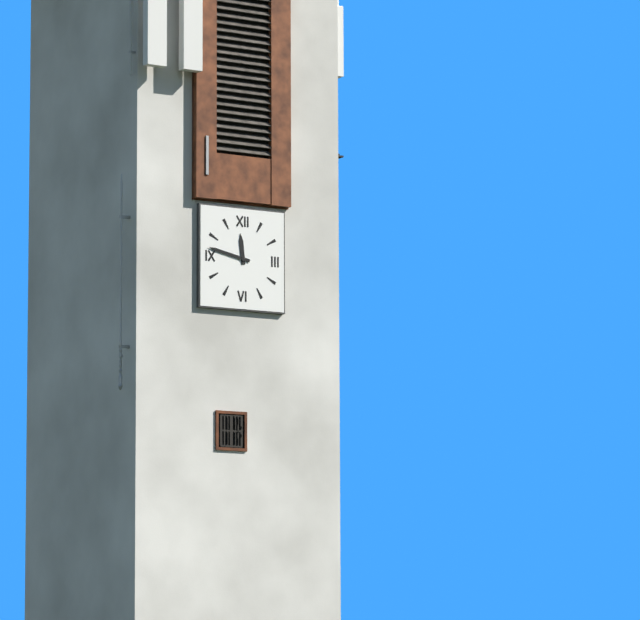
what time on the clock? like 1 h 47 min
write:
11 h 47 min
